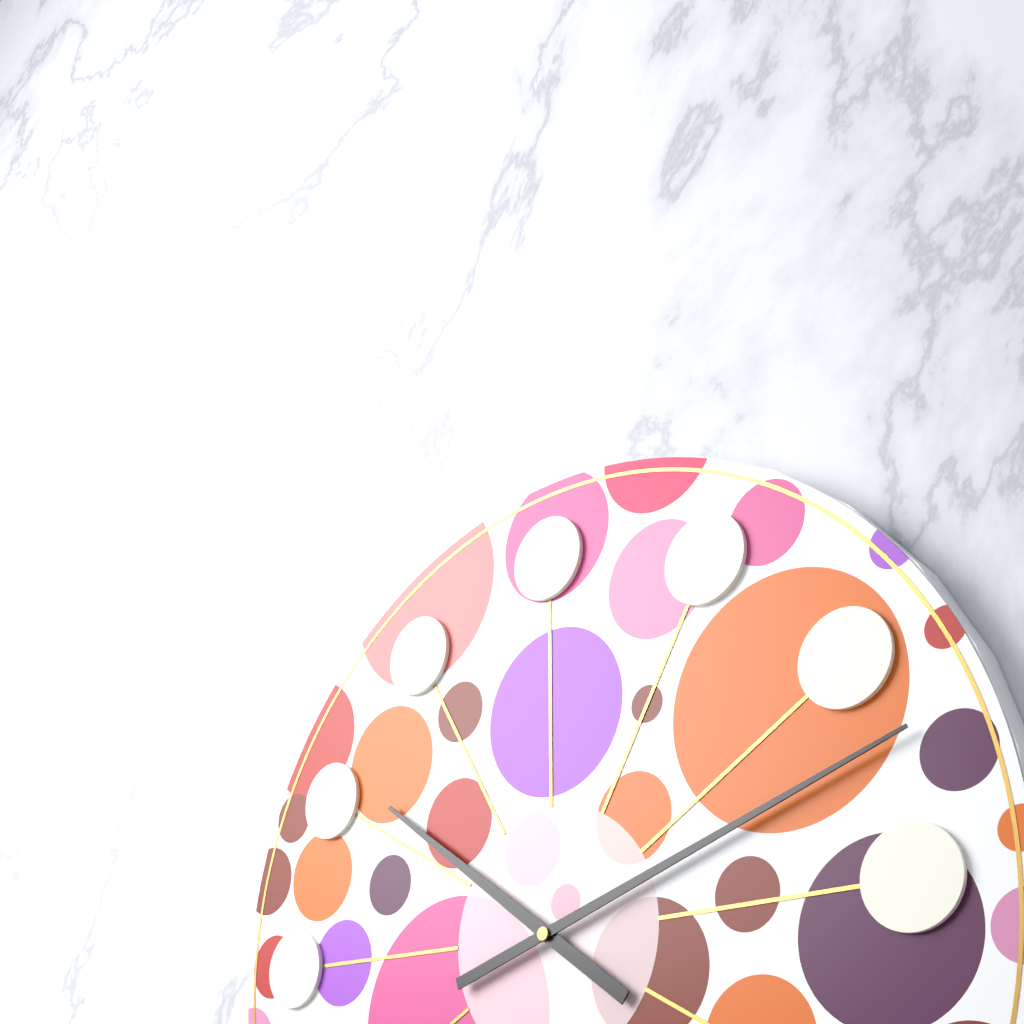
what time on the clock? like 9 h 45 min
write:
10 h 12 min
